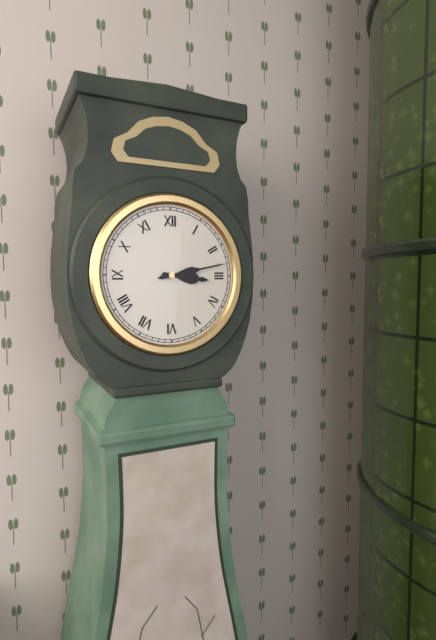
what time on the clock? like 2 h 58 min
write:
3 h 13 min
